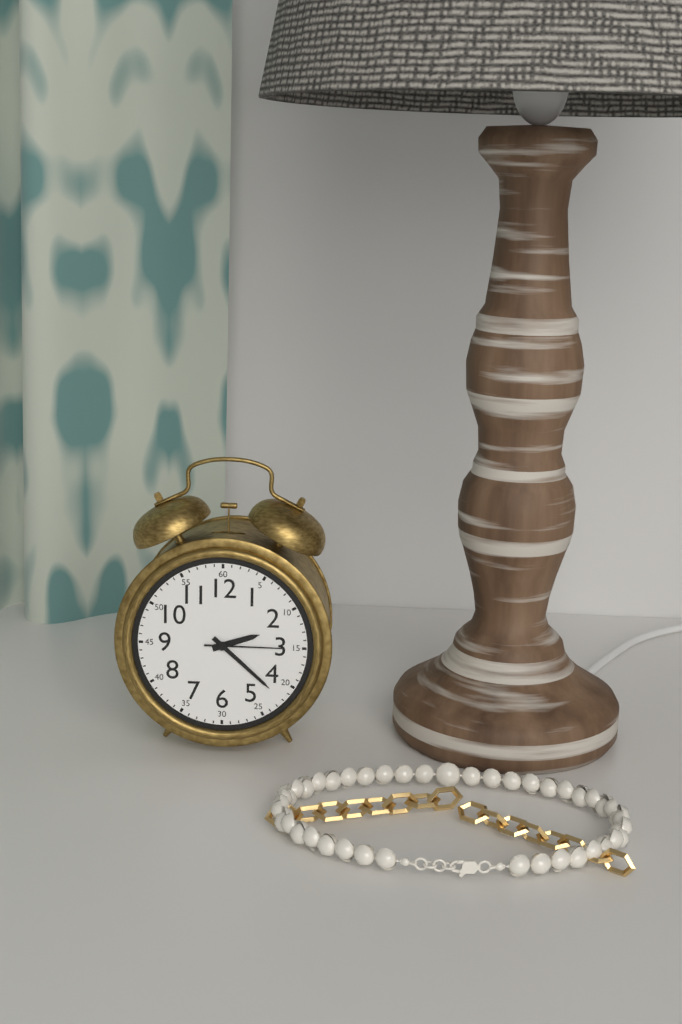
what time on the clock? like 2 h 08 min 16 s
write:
2 h 22 min 15 s
